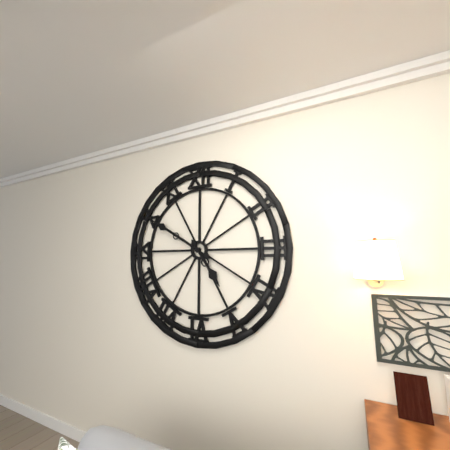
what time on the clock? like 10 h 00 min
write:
4 h 50 min
